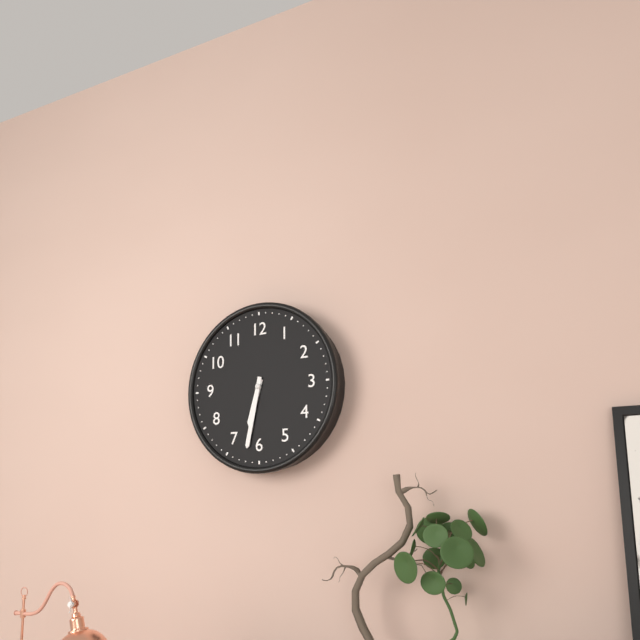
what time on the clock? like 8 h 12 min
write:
6 h 32 min
